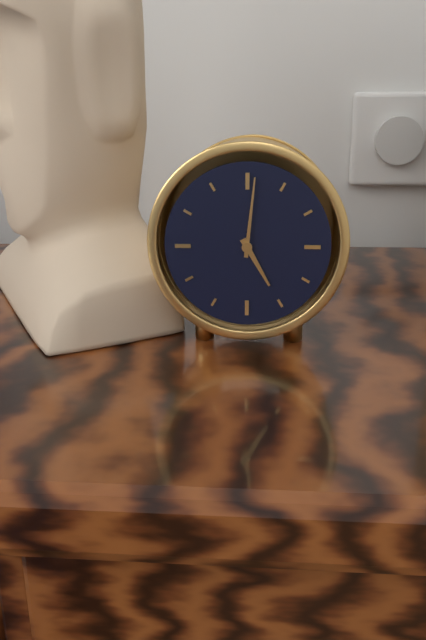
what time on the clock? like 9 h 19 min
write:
5 h 01 min
